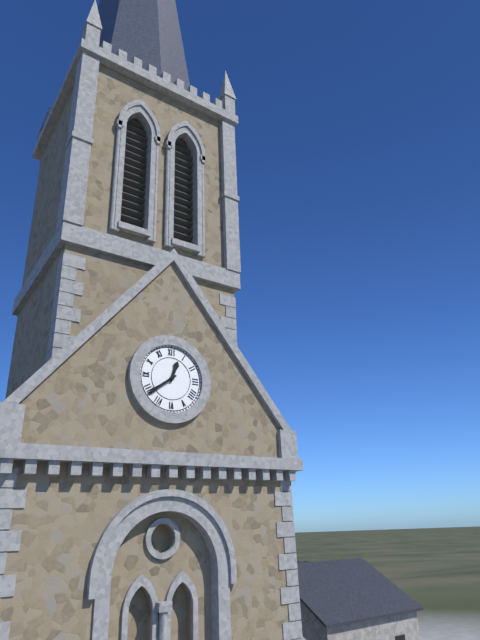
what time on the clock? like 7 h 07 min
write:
12 h 39 min
